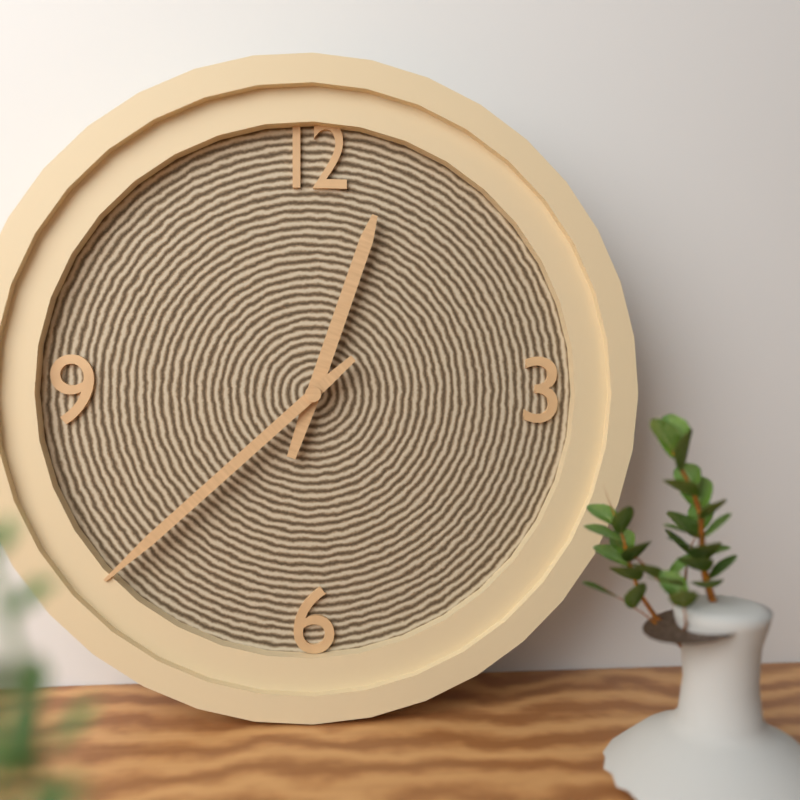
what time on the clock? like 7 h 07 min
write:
12 h 38 min
